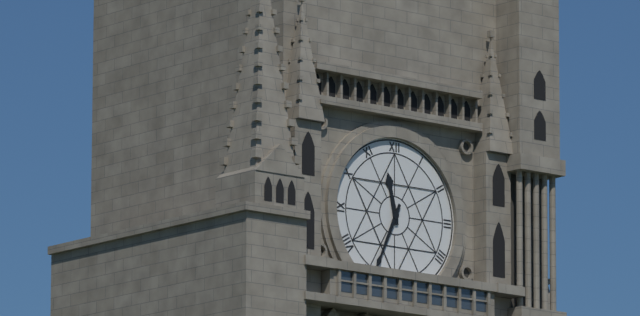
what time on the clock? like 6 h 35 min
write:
11 h 34 min
